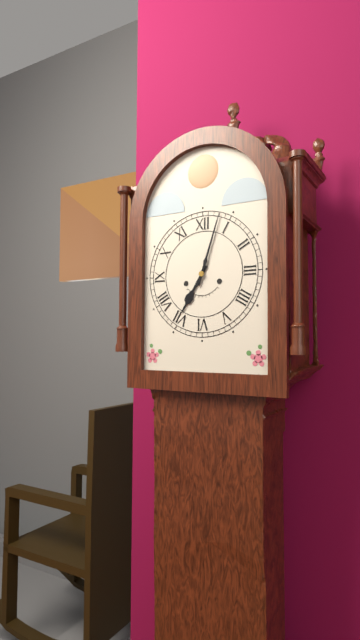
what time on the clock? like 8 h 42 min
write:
7 h 03 min
